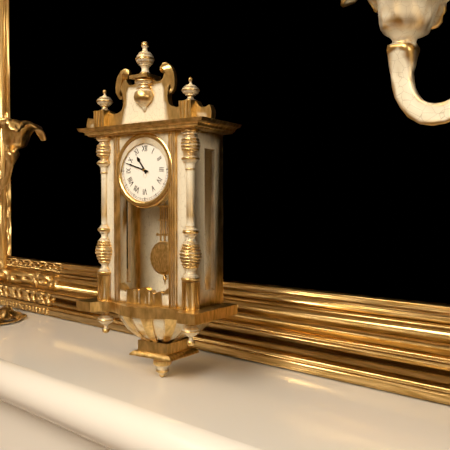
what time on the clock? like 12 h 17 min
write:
10 h 48 min
